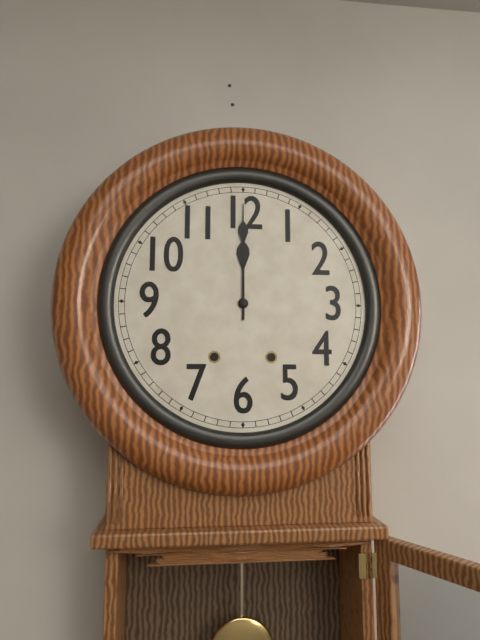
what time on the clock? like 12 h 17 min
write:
12 h 00 min
